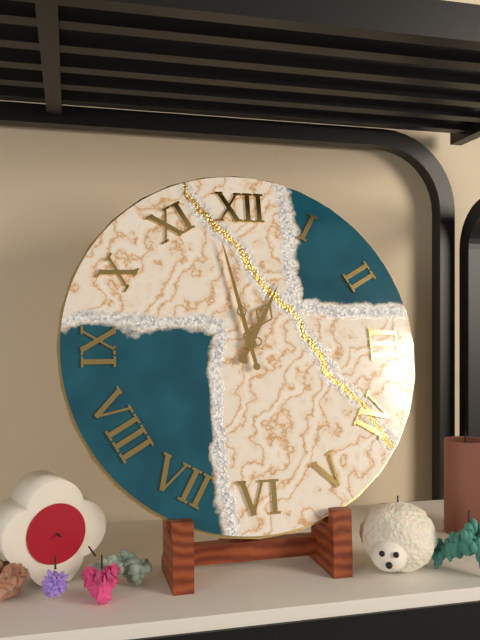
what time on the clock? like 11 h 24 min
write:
12 h 58 min
